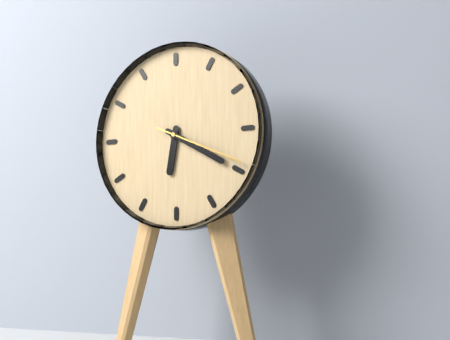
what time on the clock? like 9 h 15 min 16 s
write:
6 h 20 min 19 s
